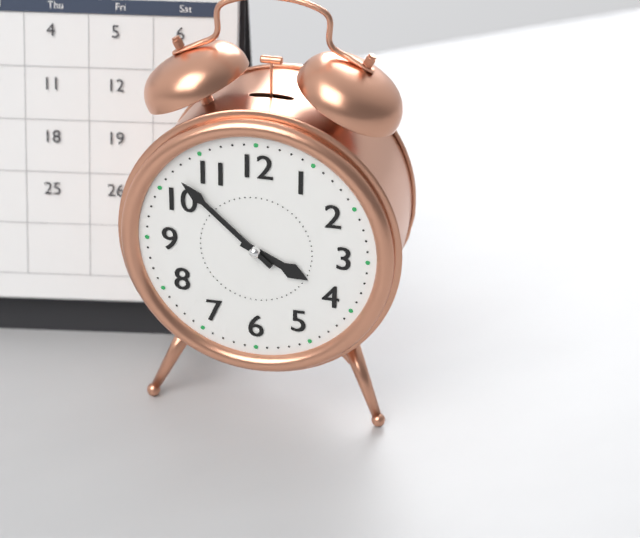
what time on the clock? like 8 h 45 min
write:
3 h 52 min
